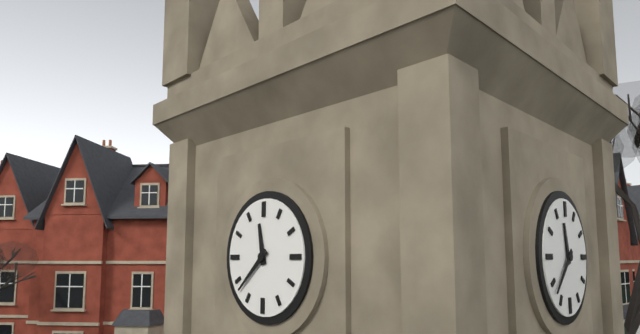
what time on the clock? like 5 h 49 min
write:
11 h 38 min
